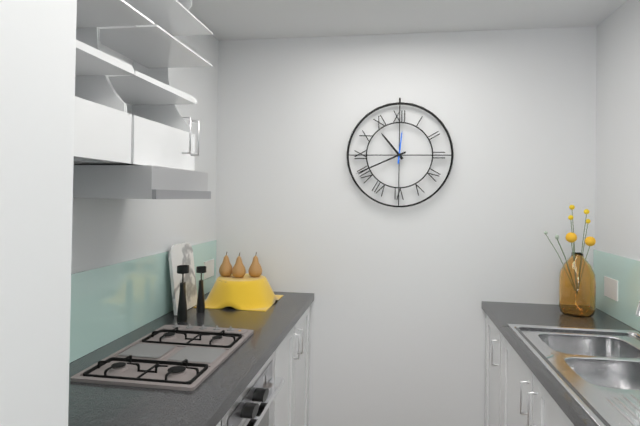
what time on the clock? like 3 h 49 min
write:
10 h 41 min
